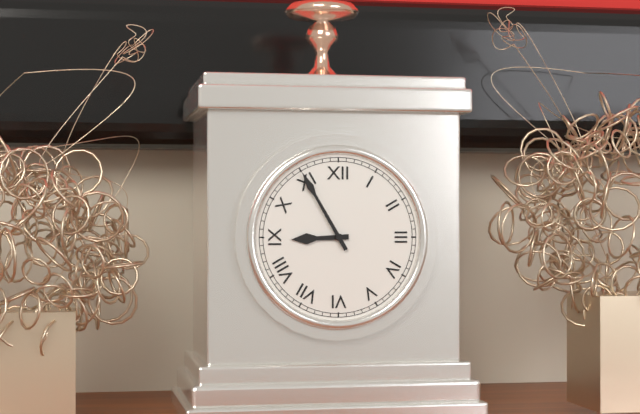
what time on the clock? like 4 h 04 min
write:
8 h 55 min
